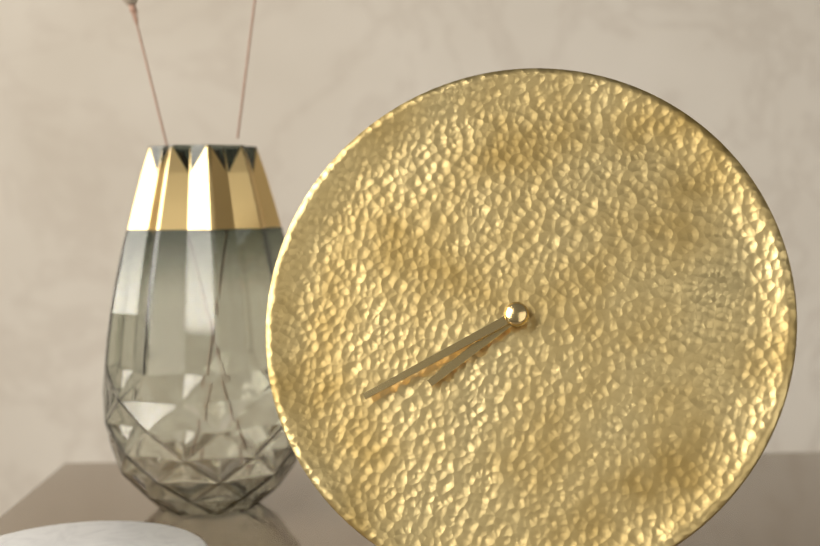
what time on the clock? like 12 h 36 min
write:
7 h 40 min
